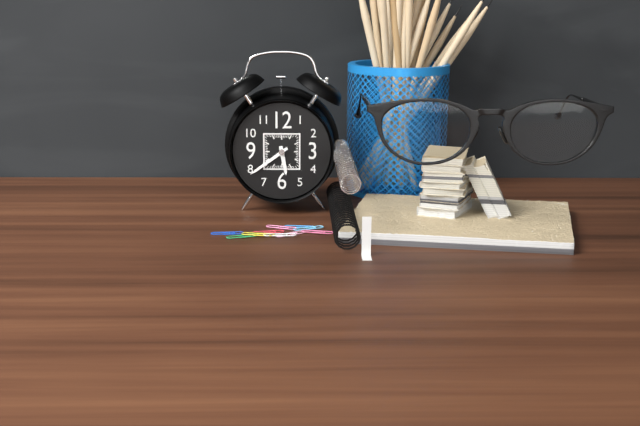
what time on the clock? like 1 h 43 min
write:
5 h 39 min
